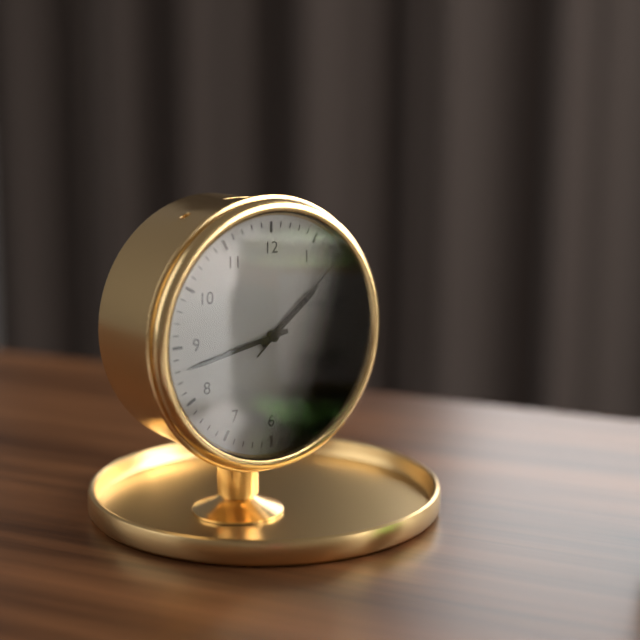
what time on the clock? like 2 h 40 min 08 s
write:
1 h 43 min 08 s
